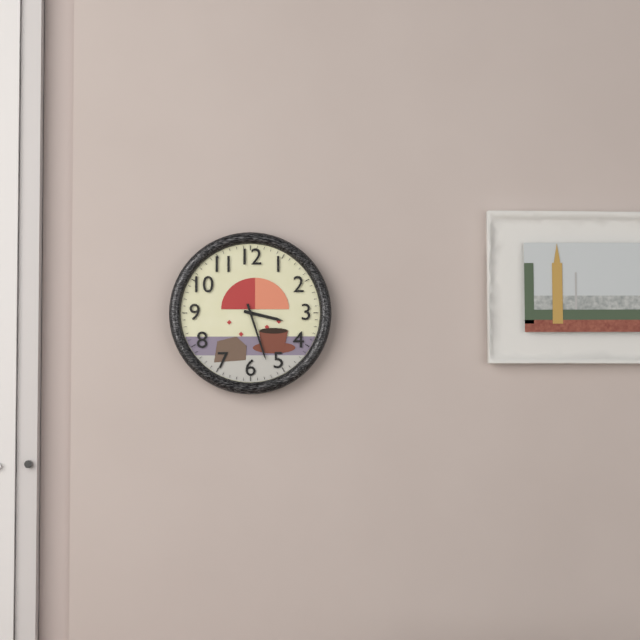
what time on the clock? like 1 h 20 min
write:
3 h 27 min
